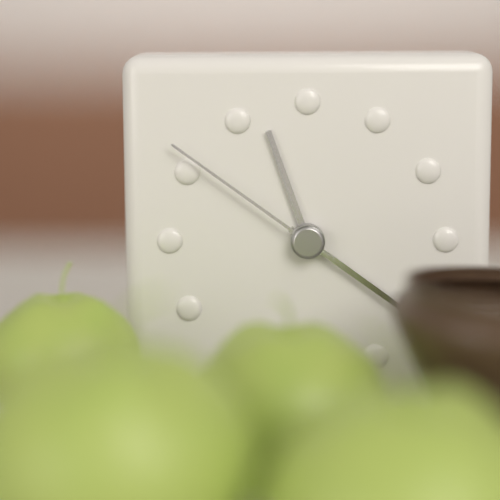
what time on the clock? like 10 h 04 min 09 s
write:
11 h 21 min 51 s
